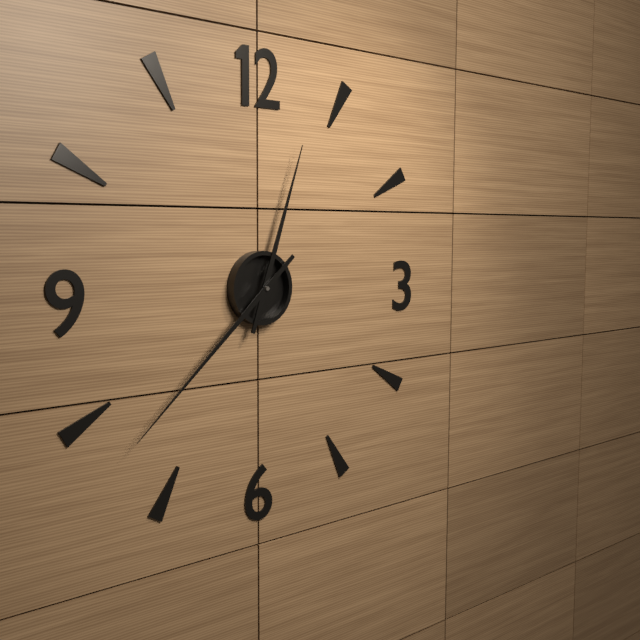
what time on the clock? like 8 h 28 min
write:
12 h 38 min
